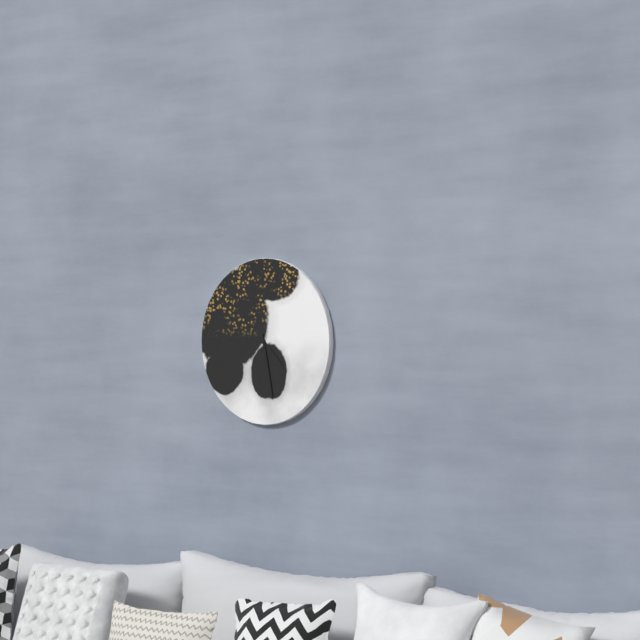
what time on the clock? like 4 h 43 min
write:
4 h 28 min
